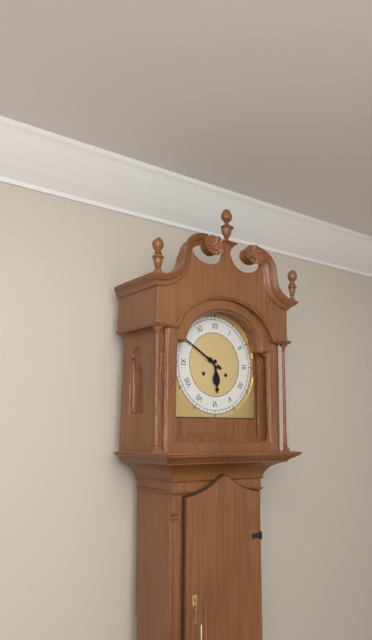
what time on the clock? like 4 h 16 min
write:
5 h 50 min
